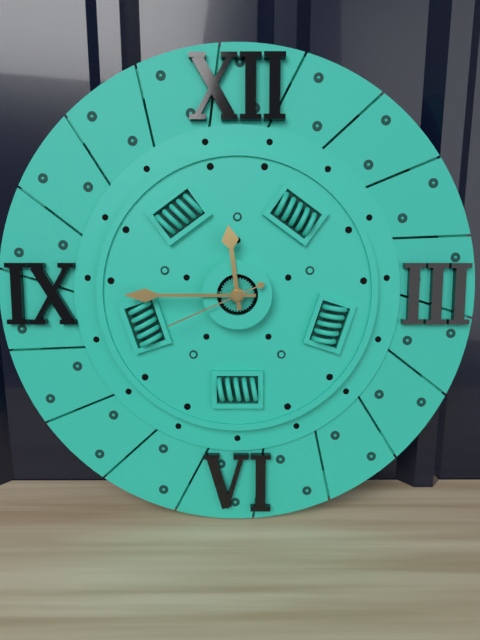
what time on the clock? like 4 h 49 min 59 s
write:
11 h 45 min 41 s
